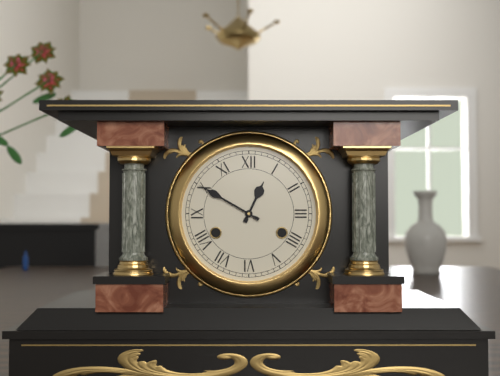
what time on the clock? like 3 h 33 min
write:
12 h 50 min
